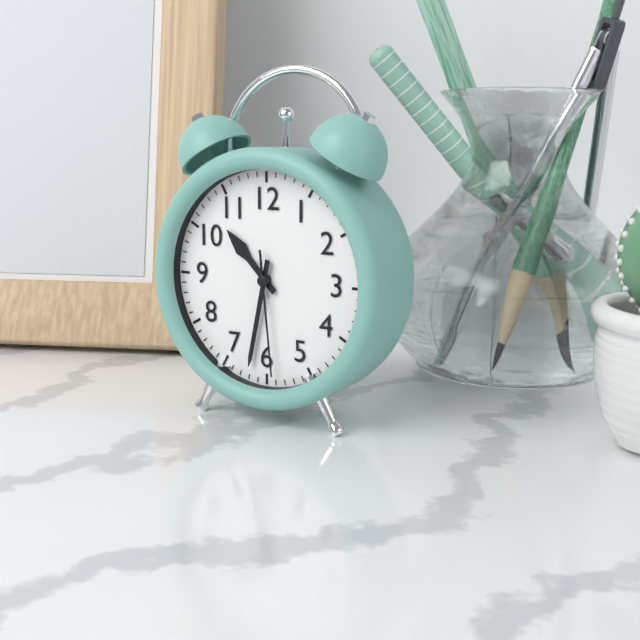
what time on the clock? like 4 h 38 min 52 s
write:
10 h 32 min 29 s
